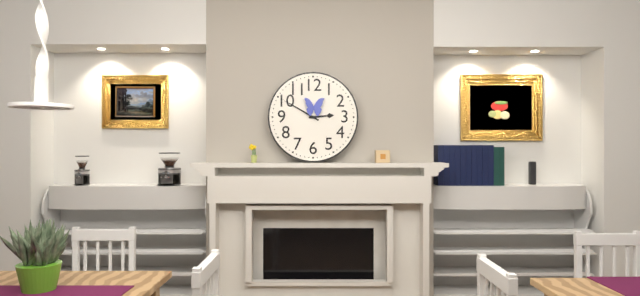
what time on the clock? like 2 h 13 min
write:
2 h 50 min
